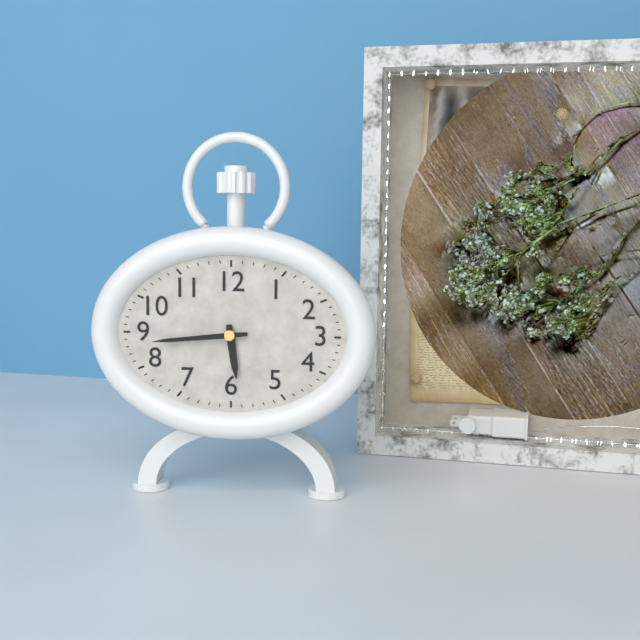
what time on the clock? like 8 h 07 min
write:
5 h 44 min
